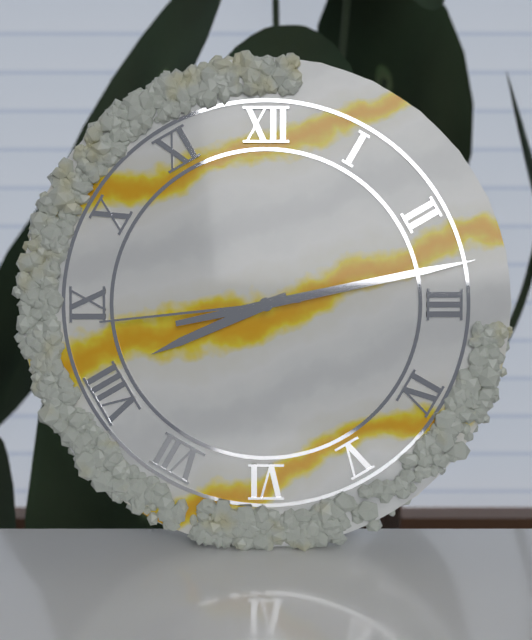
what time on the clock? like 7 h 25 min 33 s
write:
8 h 13 min 44 s
